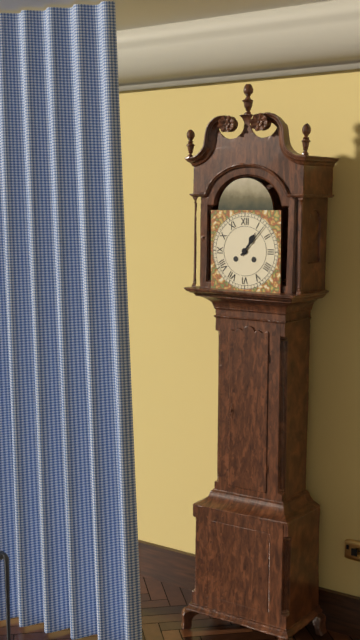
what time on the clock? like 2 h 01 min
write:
1 h 07 min
